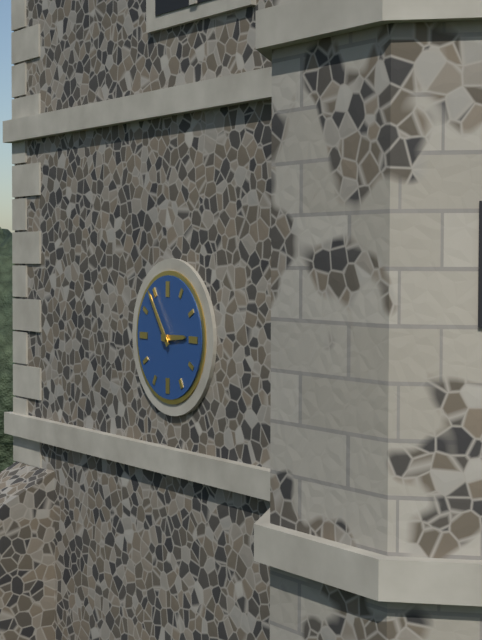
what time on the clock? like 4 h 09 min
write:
2 h 54 min
